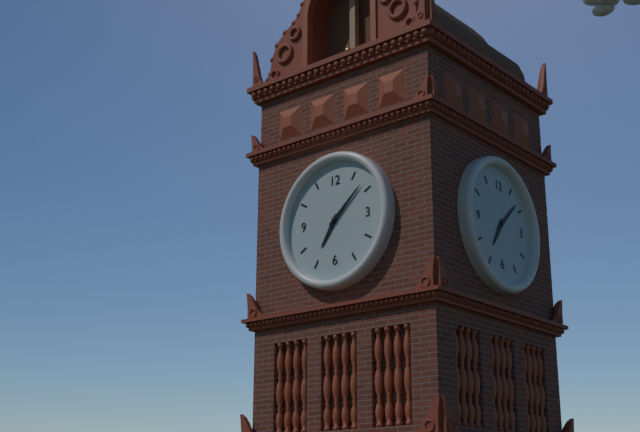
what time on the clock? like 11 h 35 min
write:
7 h 08 min
